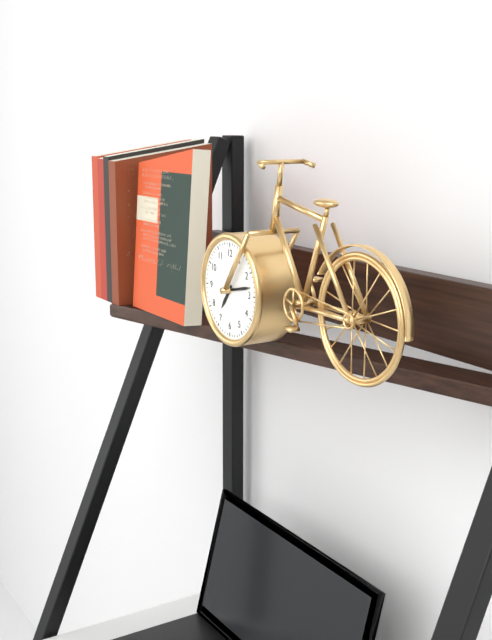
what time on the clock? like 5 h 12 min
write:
7 h 13 min
